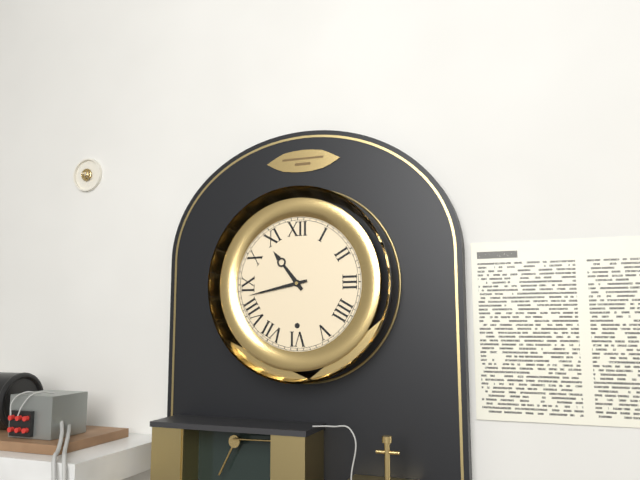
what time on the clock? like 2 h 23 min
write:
10 h 43 min
